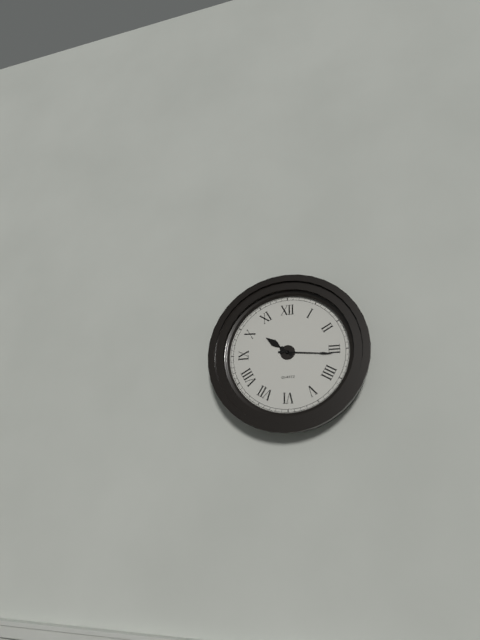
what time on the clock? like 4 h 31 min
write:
10 h 16 min
